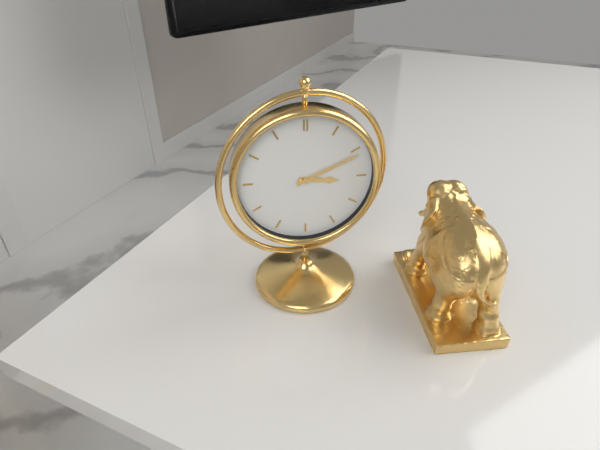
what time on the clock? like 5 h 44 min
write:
3 h 11 min
